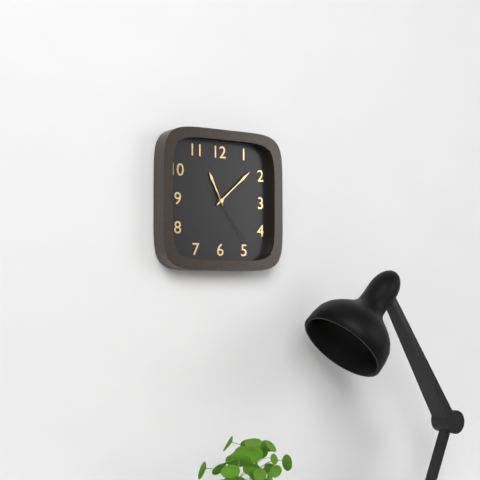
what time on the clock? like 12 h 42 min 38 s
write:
11 h 08 min 24 s
